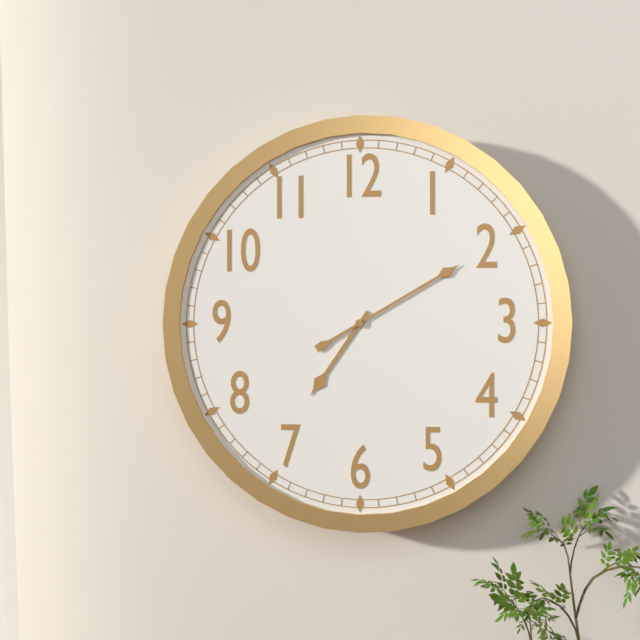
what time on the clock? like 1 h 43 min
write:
7 h 10 min
